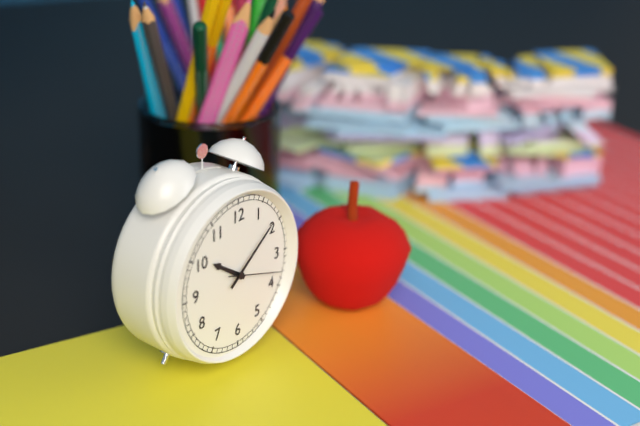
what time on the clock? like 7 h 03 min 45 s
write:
10 h 09 min 18 s
